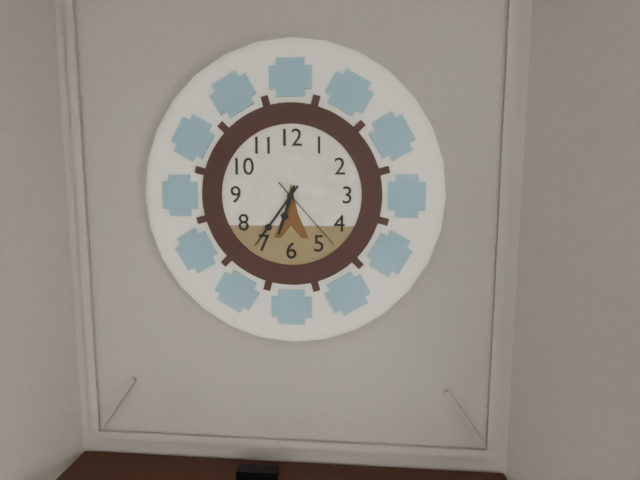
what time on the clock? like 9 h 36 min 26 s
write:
6 h 36 min 23 s
